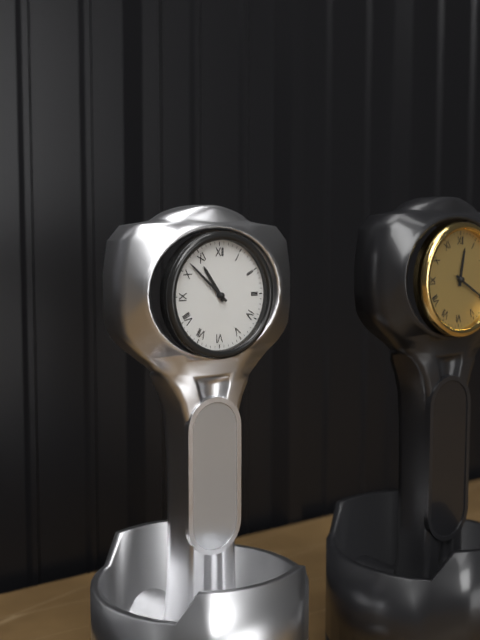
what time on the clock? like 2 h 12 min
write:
10 h 52 min
